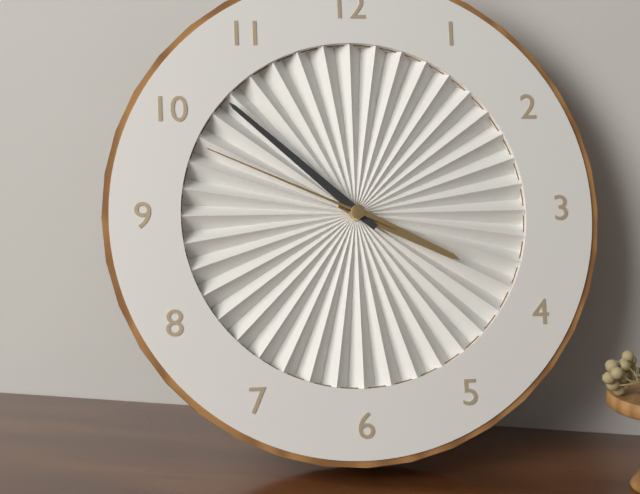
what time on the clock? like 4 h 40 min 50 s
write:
3 h 52 min 49 s
